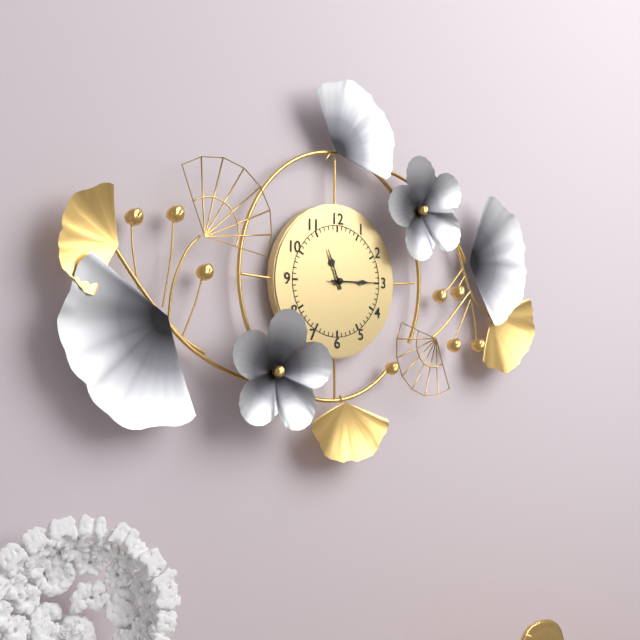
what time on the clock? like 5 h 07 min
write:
11 h 15 min
